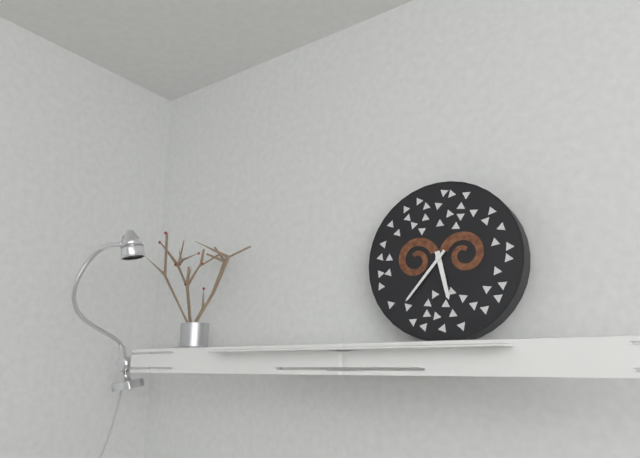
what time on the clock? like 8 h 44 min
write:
5 h 37 min
